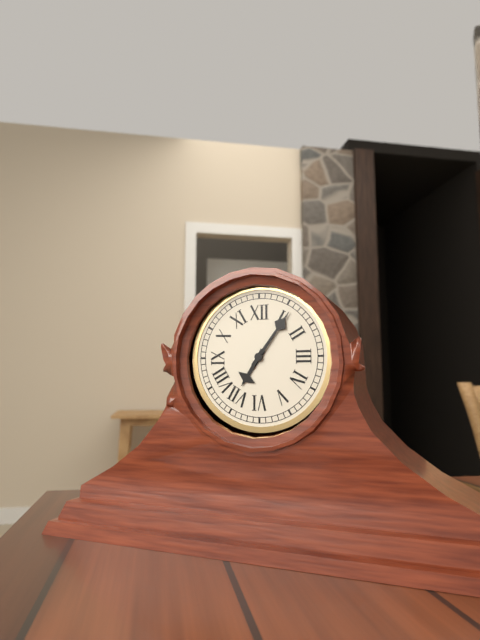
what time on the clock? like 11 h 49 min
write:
7 h 06 min
